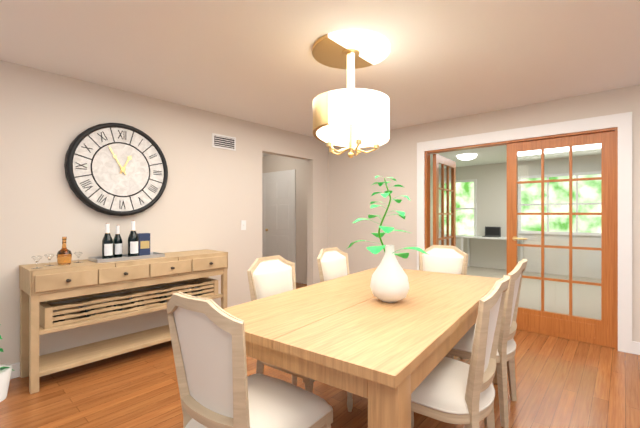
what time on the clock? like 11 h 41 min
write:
12 h 55 min
